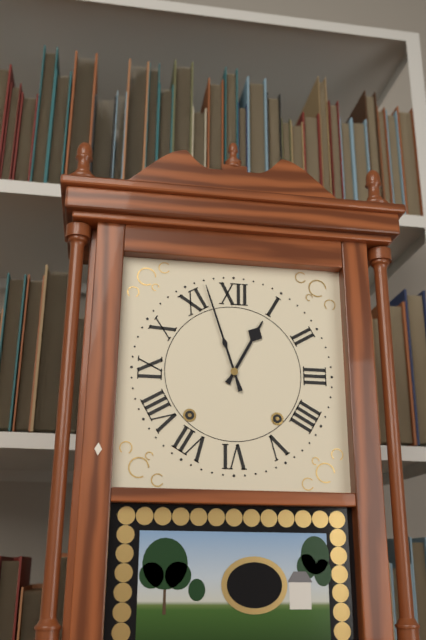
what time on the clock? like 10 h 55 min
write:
12 h 57 min
